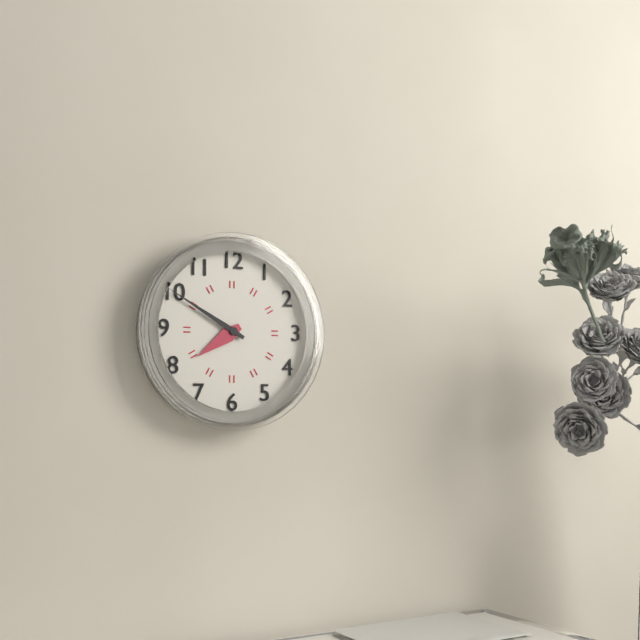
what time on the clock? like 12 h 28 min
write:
7 h 50 min
